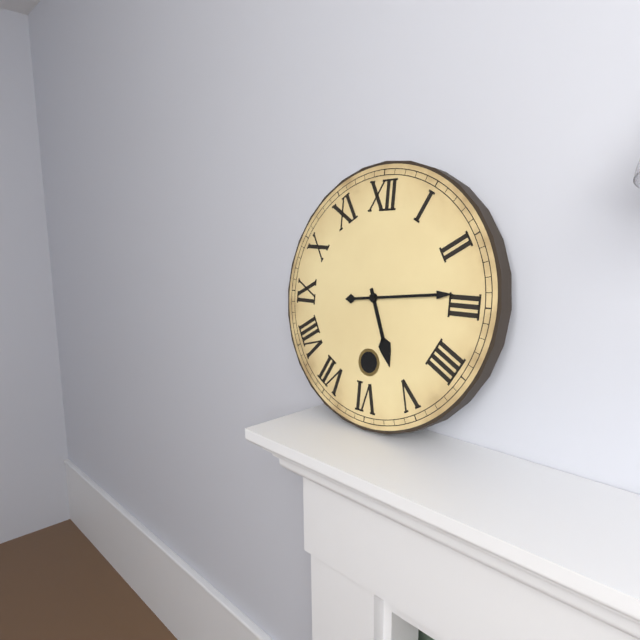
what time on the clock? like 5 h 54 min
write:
5 h 14 min
